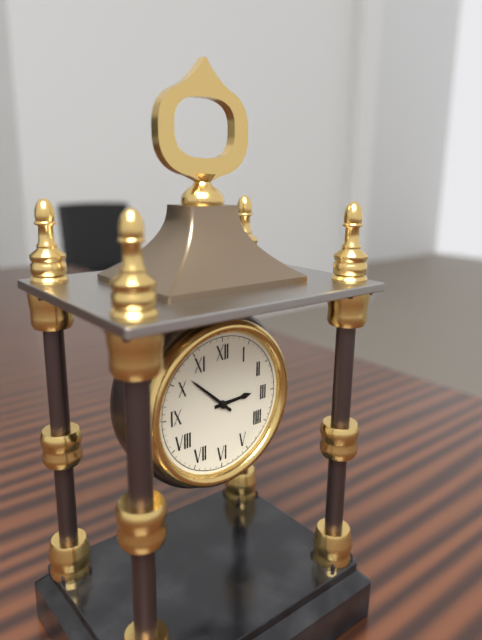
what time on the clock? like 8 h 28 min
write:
2 h 52 min
